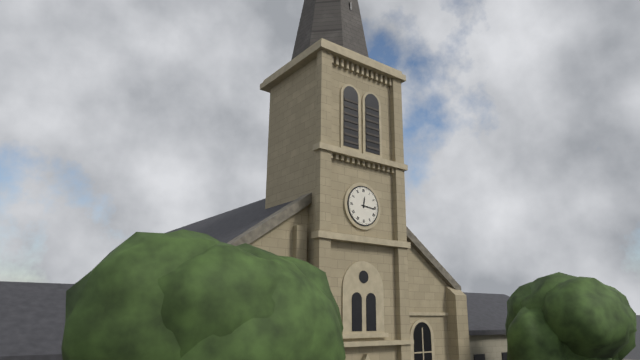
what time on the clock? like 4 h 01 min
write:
12 h 16 min
